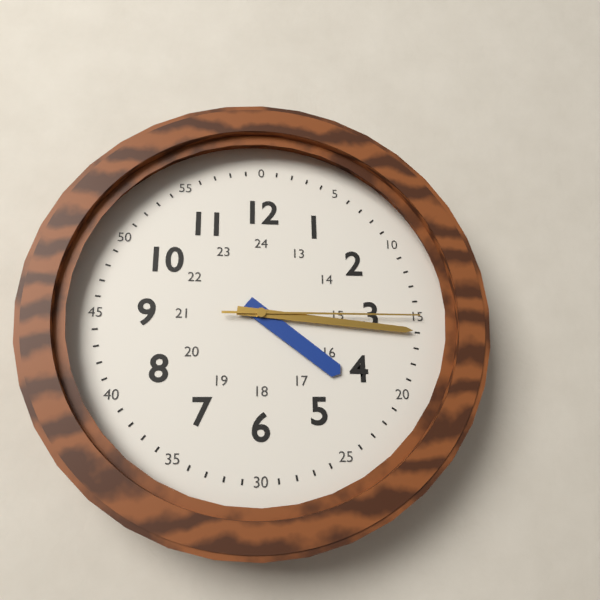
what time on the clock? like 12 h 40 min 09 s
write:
4 h 16 min 15 s
